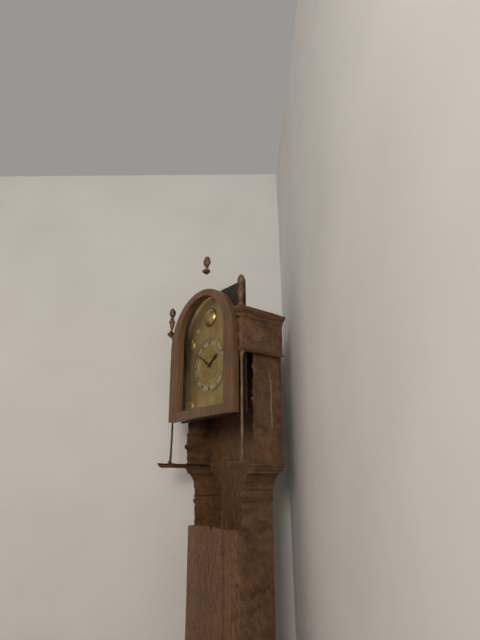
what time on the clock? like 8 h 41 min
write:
1 h 51 min
